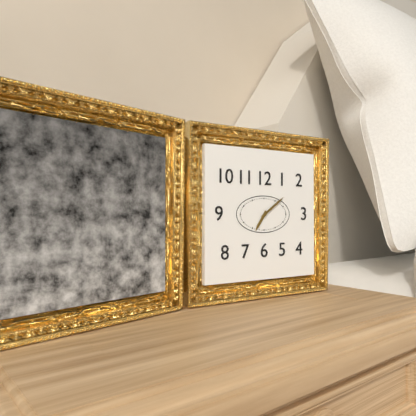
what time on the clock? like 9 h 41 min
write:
7 h 09 min
